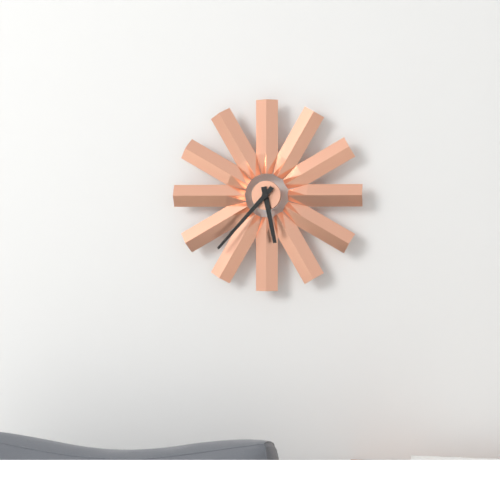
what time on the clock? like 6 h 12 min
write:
5 h 37 min
